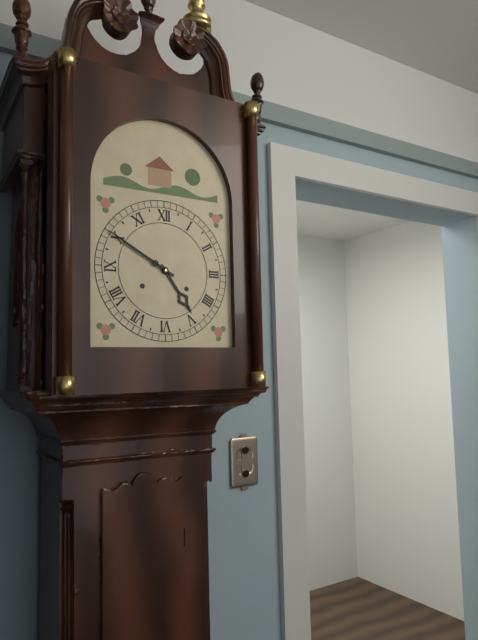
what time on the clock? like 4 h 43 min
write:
4 h 50 min
